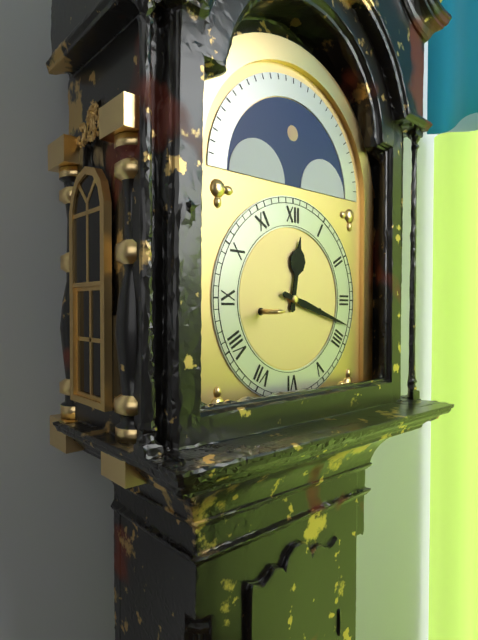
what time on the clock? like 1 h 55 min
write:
12 h 18 min
